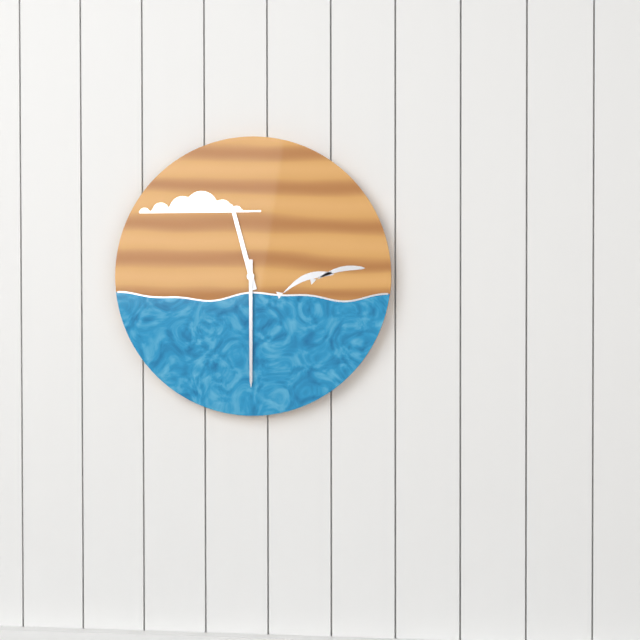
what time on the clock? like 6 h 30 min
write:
11 h 30 min
